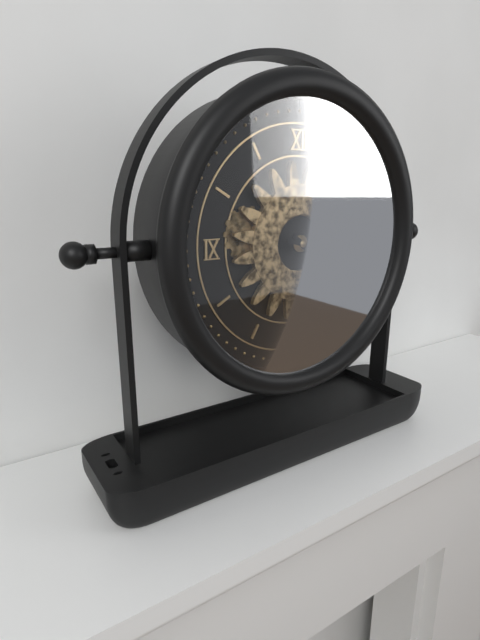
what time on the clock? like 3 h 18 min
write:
4 h 17 min
